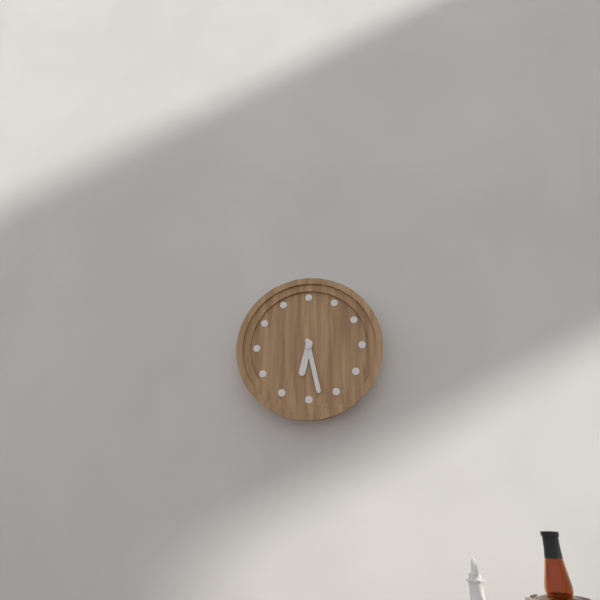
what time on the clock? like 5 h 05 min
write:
6 h 28 min
